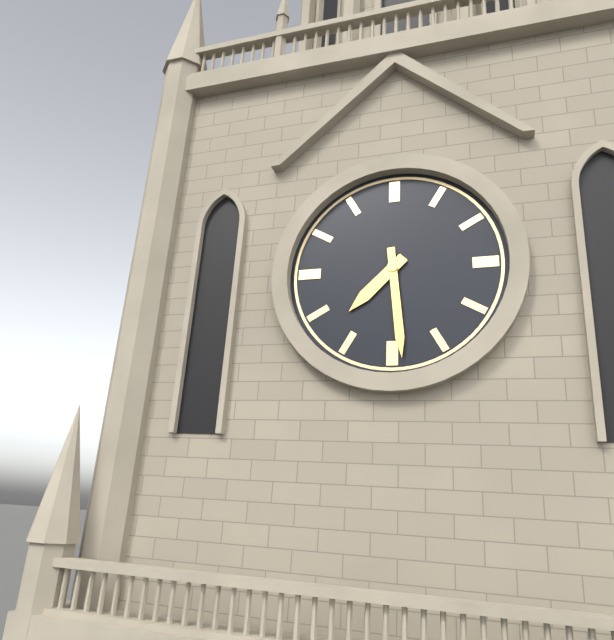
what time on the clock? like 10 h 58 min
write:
7 h 29 min
